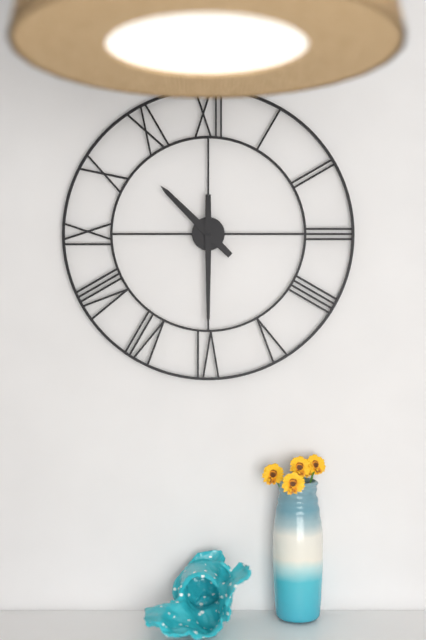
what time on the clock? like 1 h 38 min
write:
10 h 30 min
